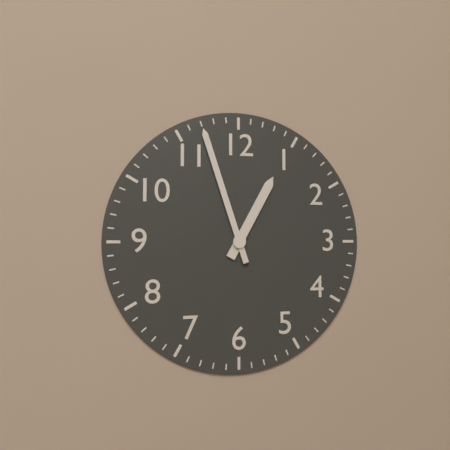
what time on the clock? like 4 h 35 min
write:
12 h 57 min
